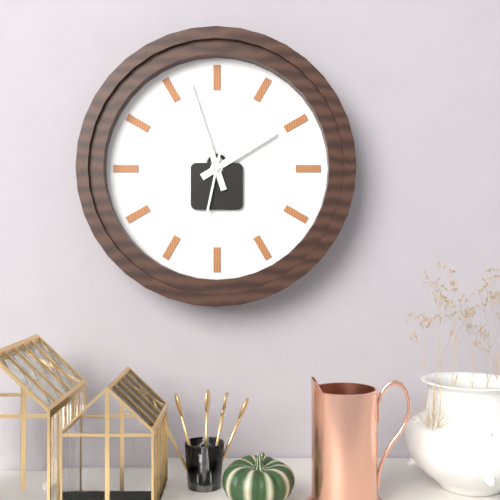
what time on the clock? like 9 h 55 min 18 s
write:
1 h 57 min 32 s
